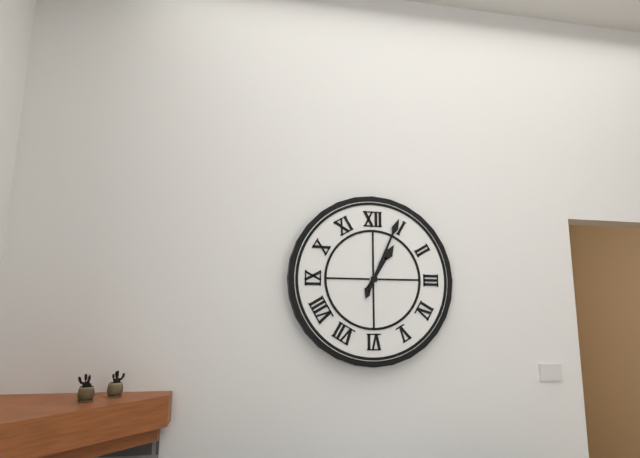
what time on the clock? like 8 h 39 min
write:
1 h 04 min
